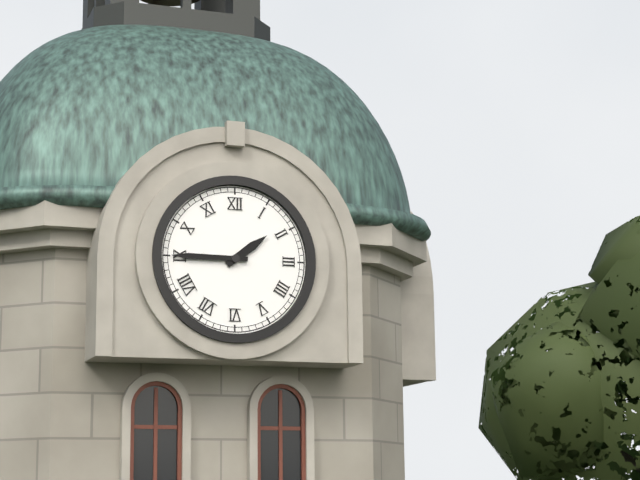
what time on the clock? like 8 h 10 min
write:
1 h 45 min
